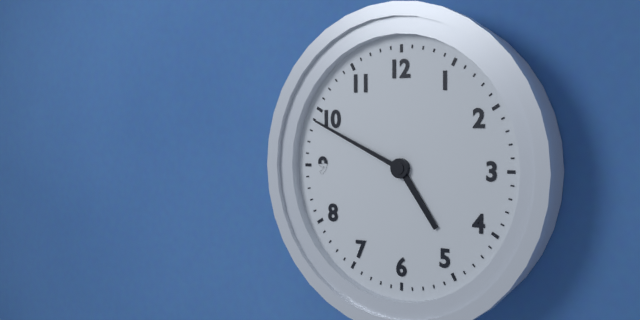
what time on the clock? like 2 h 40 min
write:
4 h 49 min
